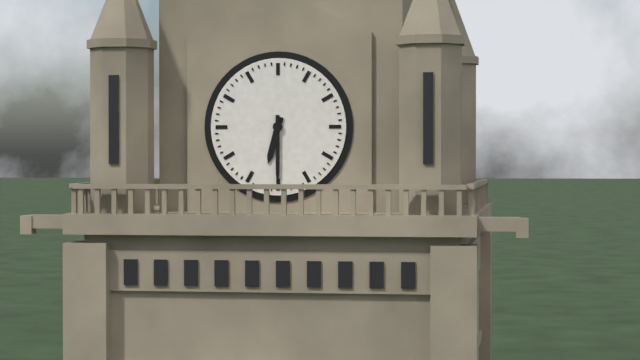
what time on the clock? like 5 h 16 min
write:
6 h 30 min
